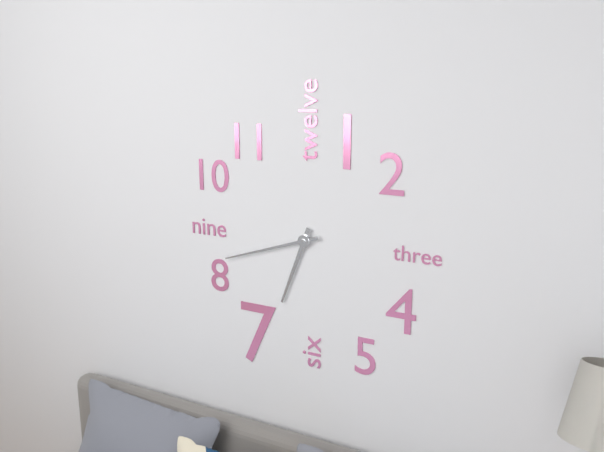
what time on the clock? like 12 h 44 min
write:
6 h 42 min
